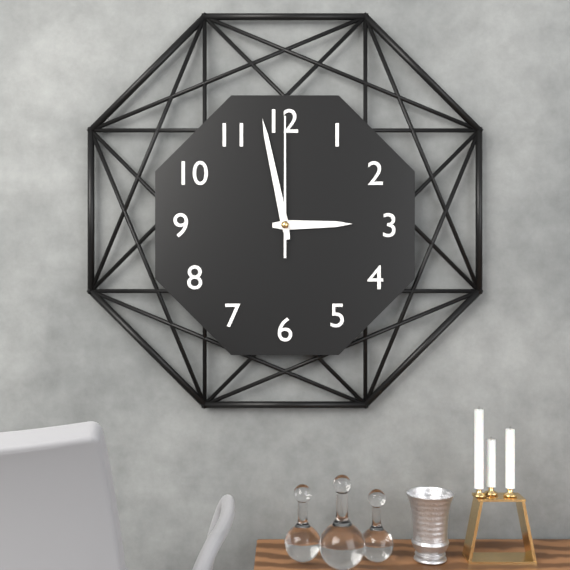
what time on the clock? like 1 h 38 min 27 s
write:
2 h 58 min 00 s
